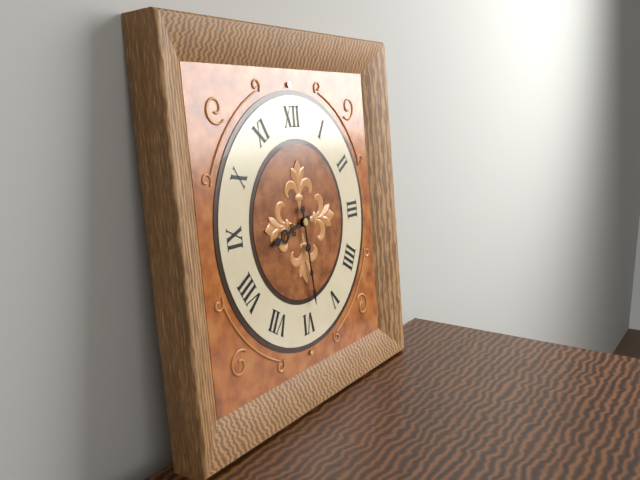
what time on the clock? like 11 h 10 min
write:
8 h 29 min
